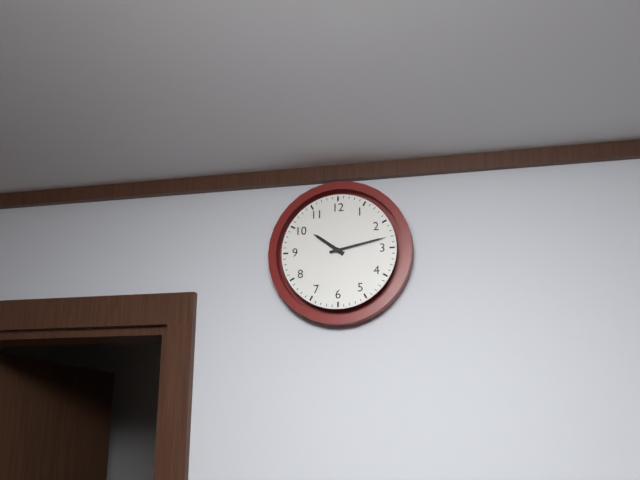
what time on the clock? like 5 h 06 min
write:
10 h 13 min
